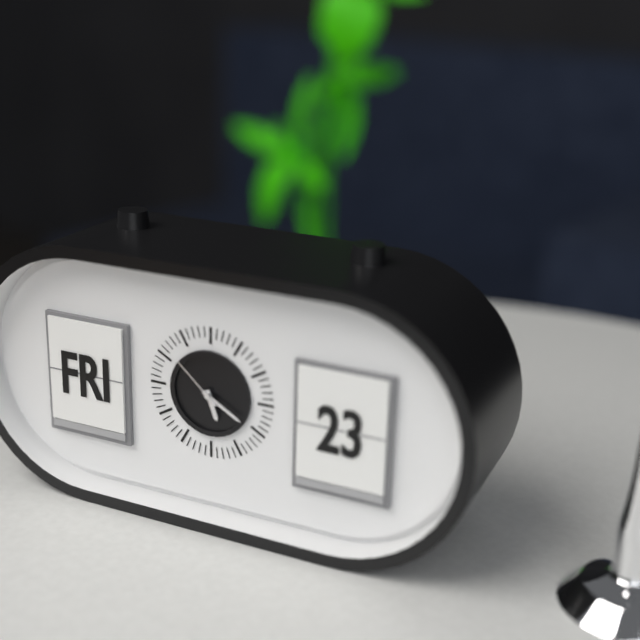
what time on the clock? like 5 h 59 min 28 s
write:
5 h 20 min 52 s
